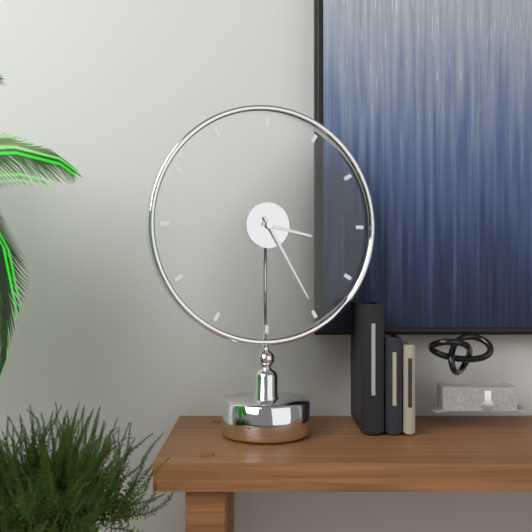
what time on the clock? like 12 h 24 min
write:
3 h 25 min
